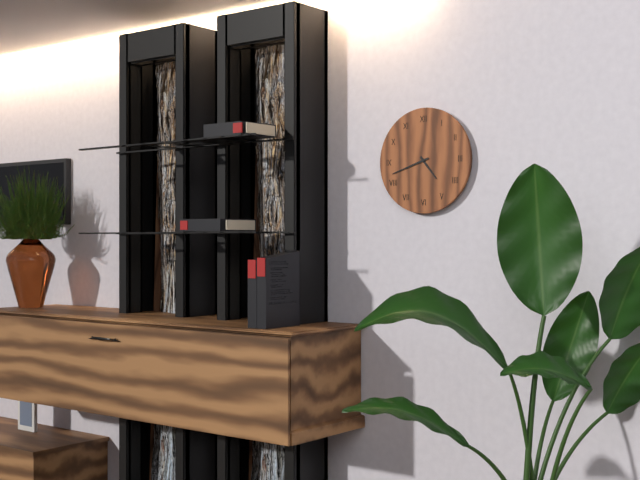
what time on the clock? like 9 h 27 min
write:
4 h 42 min
